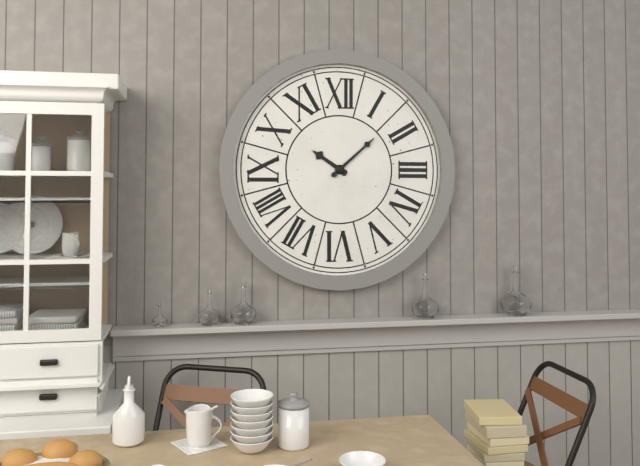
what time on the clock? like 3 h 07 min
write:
10 h 08 min
